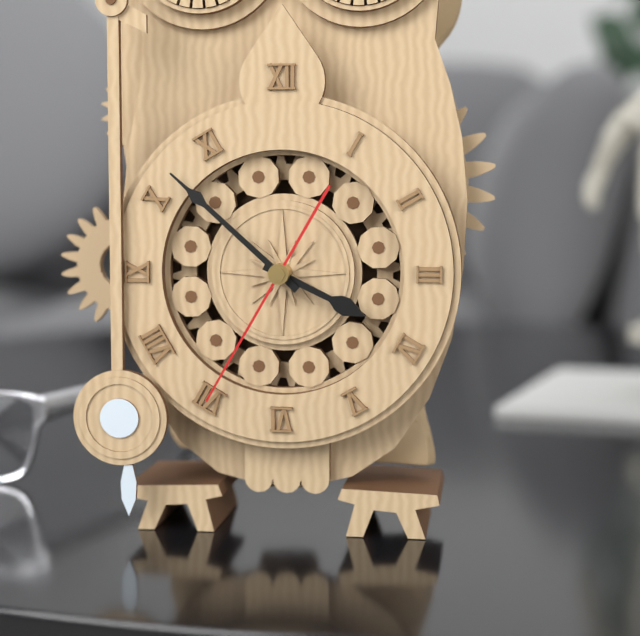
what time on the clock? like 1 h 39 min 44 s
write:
3 h 52 min 35 s
